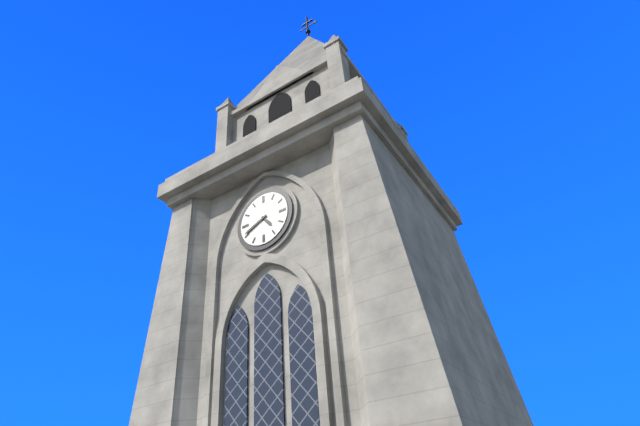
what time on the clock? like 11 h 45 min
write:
4 h 41 min
